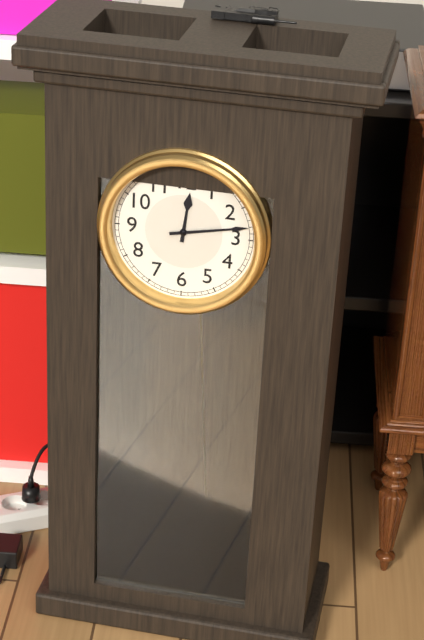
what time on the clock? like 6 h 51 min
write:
12 h 13 min
